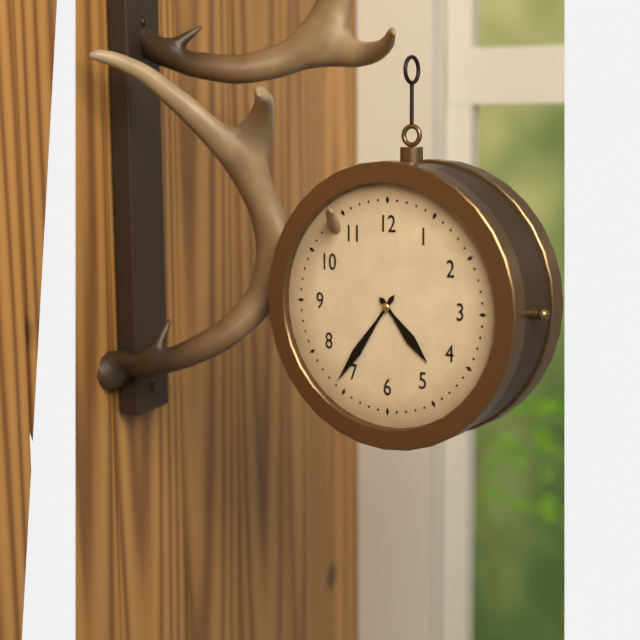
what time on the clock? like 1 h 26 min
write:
4 h 36 min
